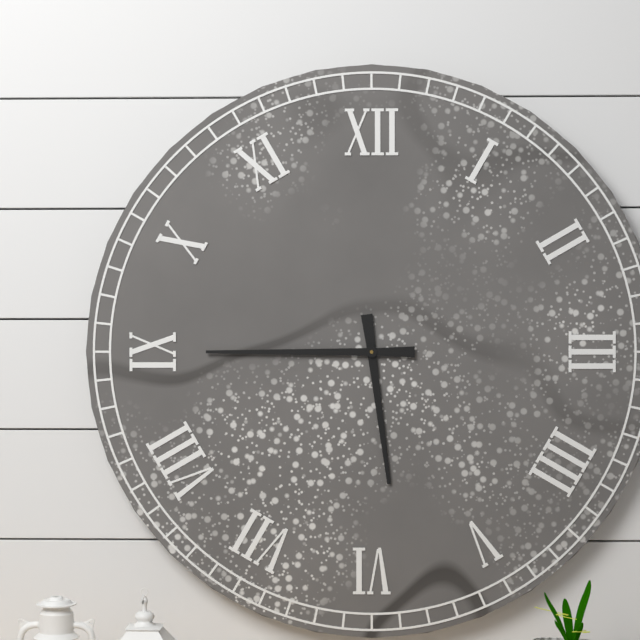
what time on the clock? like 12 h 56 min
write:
5 h 45 min
